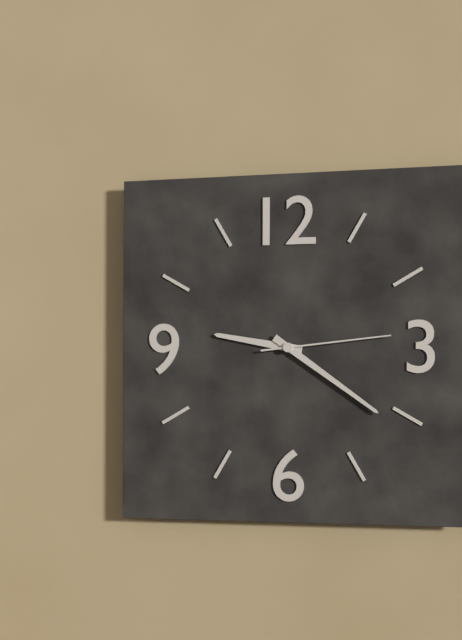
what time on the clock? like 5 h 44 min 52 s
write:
9 h 21 min 14 s
